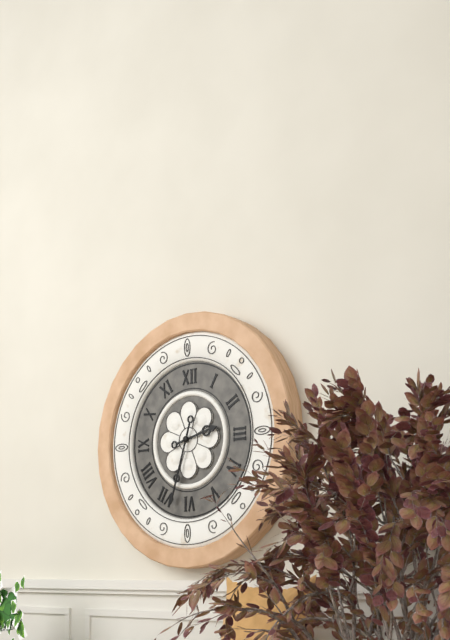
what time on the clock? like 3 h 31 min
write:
2 h 33 min
